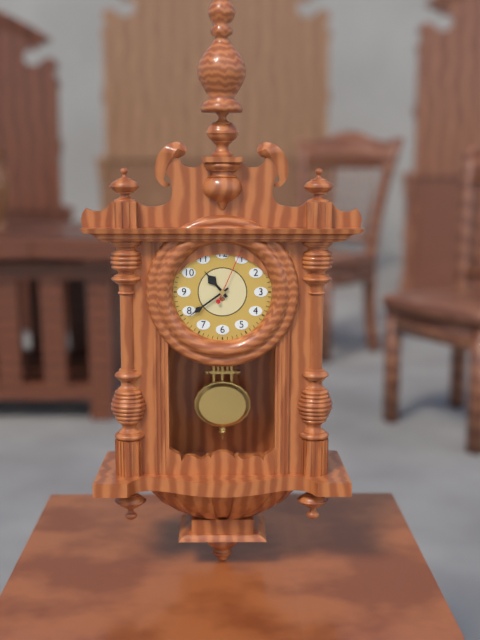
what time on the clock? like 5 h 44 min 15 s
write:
10 h 39 min 04 s
